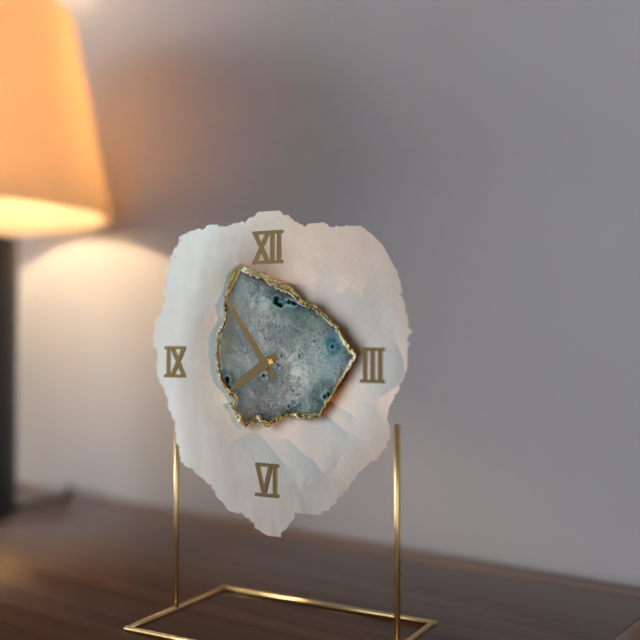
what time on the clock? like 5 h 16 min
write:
7 h 54 min
